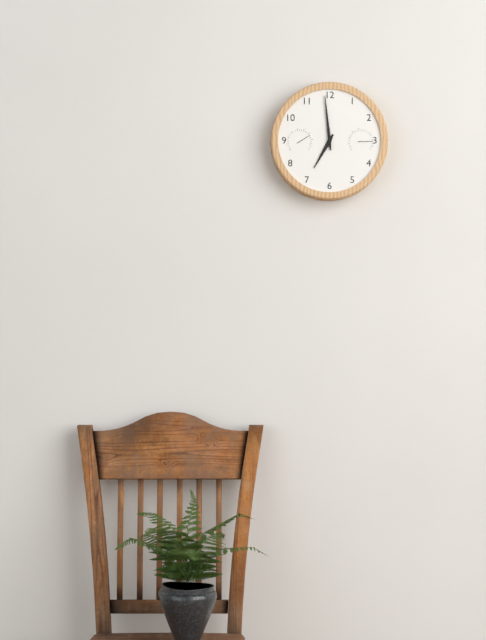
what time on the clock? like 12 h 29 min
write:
6 h 59 min
